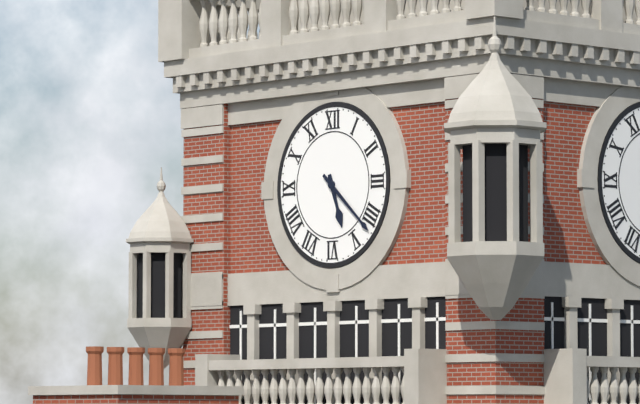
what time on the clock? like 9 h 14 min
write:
5 h 22 min
